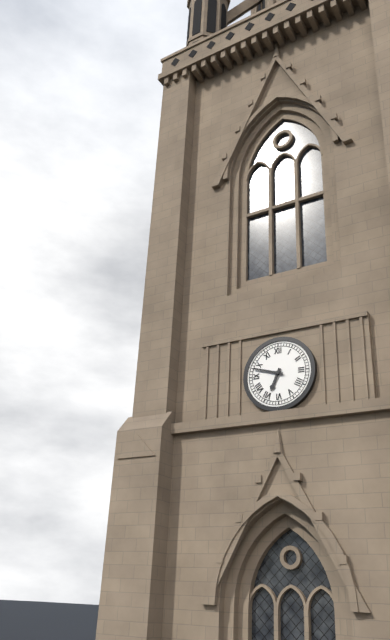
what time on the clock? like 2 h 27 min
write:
6 h 48 min
